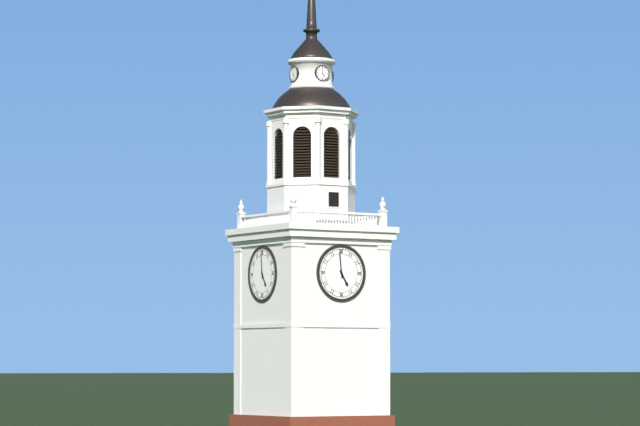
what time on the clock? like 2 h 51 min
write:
4 h 59 min
